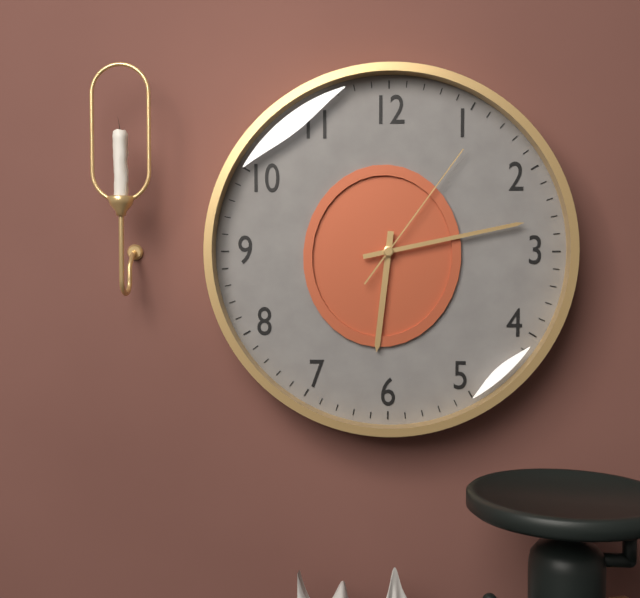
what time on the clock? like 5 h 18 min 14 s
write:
6 h 13 min 06 s
